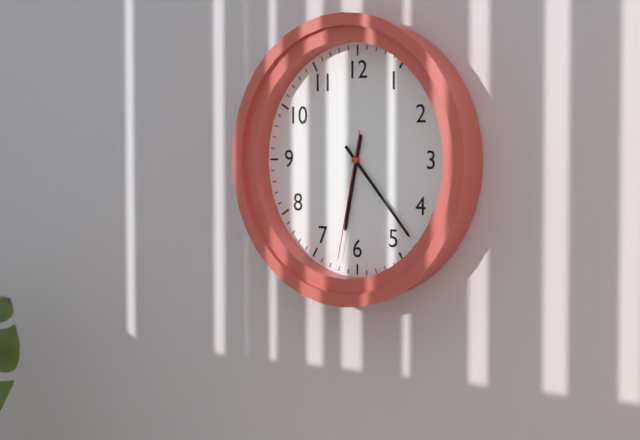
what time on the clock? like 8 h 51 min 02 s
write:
6 h 23 min 32 s
